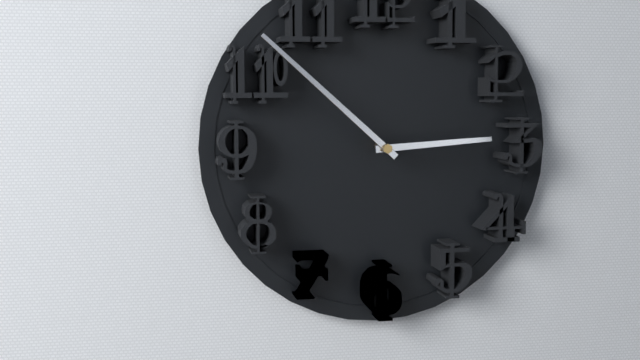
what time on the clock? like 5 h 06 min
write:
2 h 52 min
